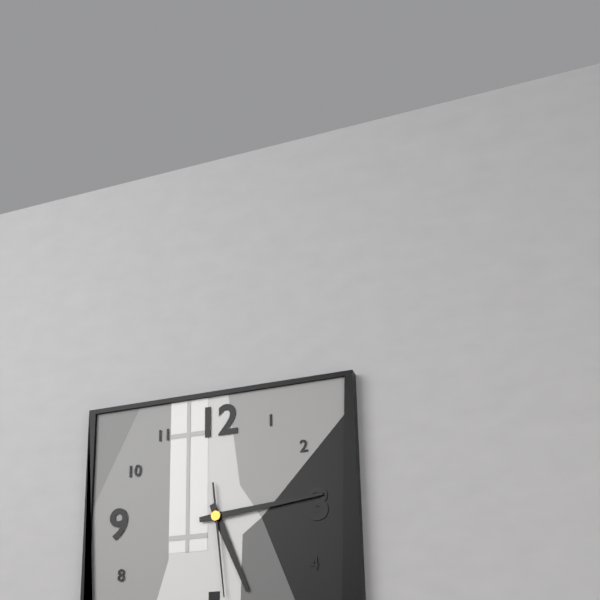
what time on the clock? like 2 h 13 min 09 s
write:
5 h 14 min 29 s
